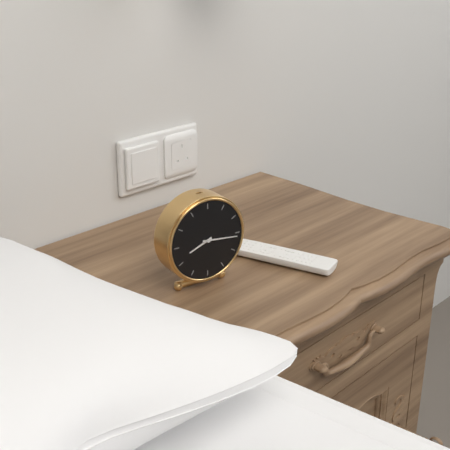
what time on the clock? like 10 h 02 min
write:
8 h 16 min
